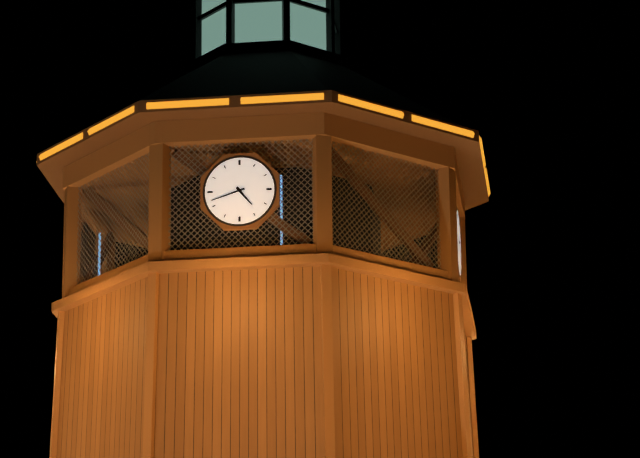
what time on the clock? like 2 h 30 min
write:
4 h 42 min
